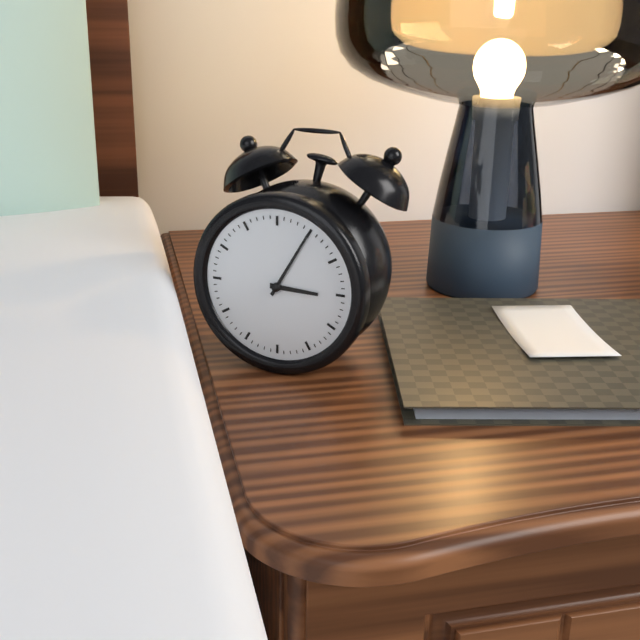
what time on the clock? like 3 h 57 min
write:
3 h 05 min
